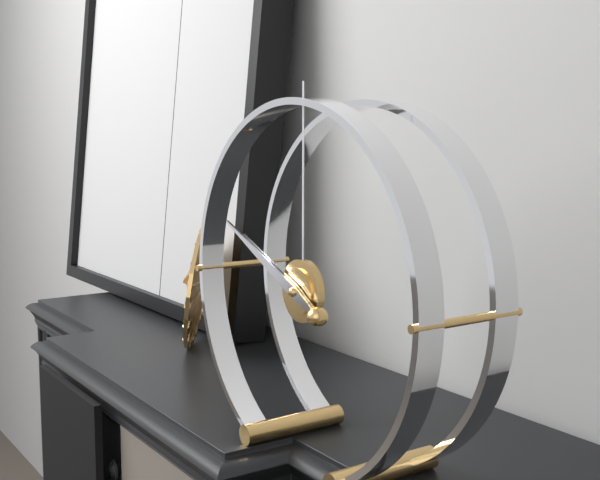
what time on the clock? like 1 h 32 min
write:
9 h 49 min
